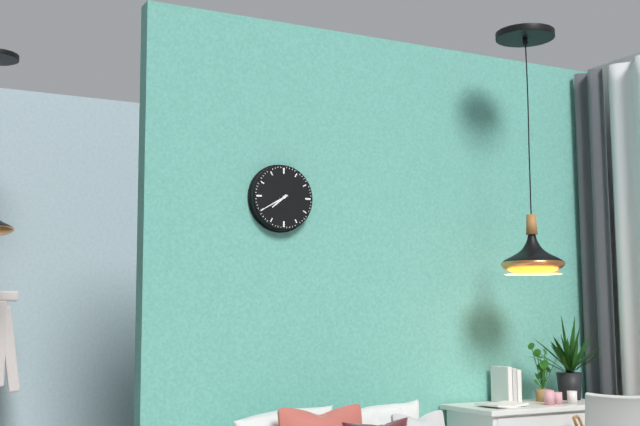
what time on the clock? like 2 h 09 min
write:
7 h 40 min
